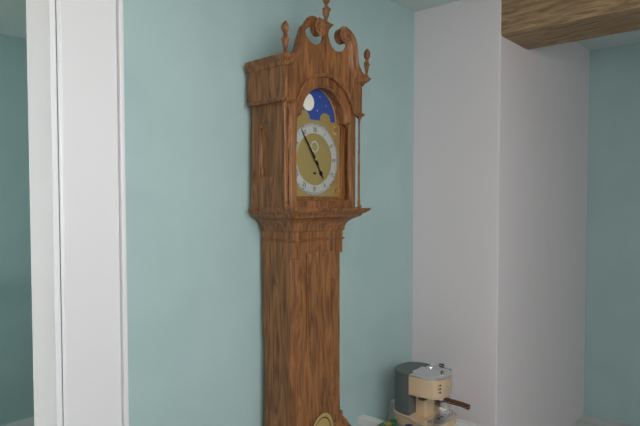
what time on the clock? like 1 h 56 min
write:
4 h 54 min
